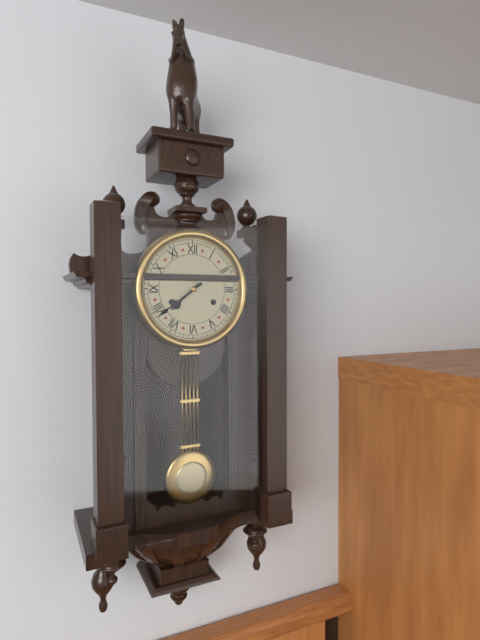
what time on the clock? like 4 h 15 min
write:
7 h 39 min
